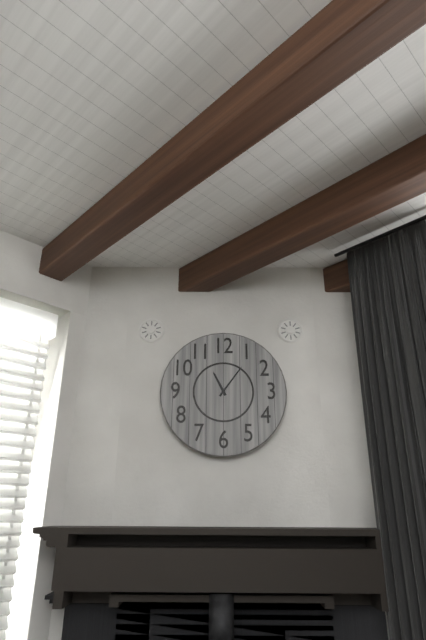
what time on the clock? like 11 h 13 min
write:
11 h 06 min
